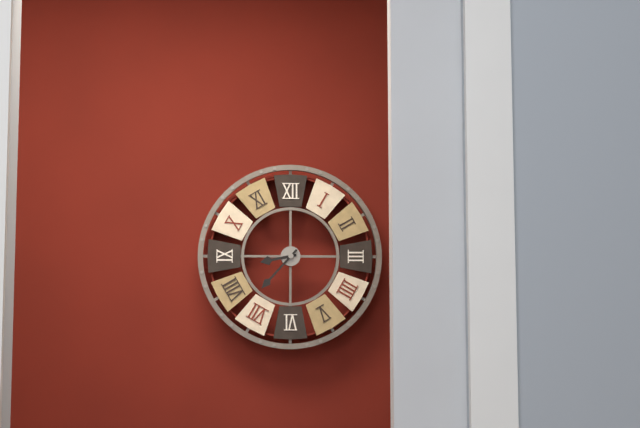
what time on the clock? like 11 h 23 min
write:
8 h 37 min
